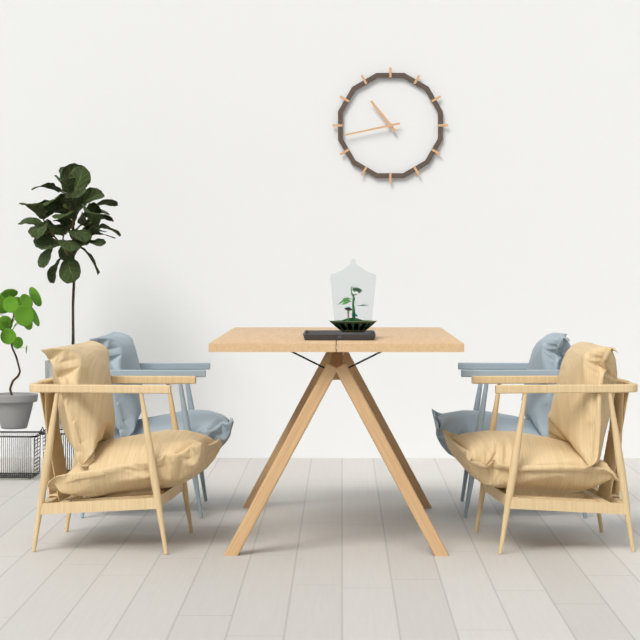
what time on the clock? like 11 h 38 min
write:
10 h 43 min
